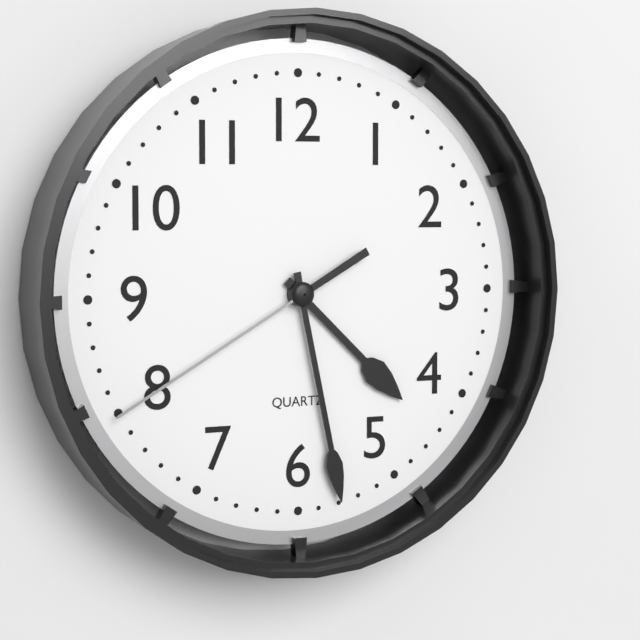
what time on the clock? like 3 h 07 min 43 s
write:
4 h 28 min 40 s
